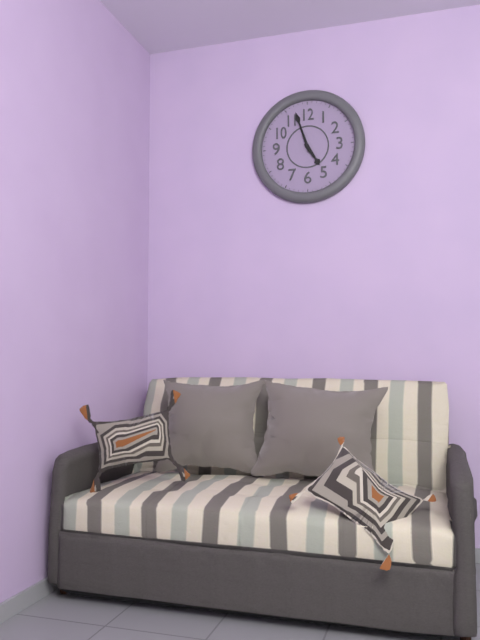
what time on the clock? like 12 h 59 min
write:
4 h 57 min
